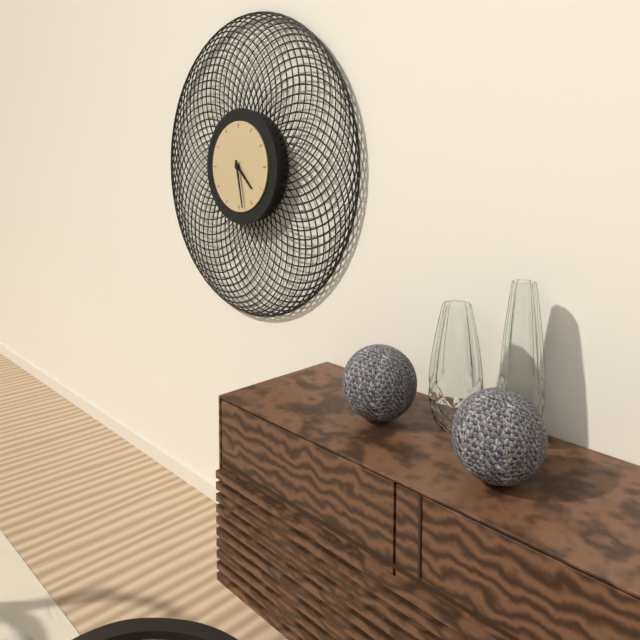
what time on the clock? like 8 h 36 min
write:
4 h 28 min
